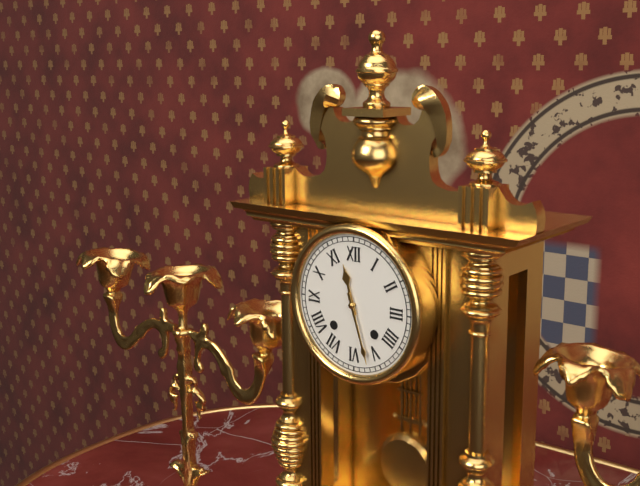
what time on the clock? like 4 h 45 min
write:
11 h 27 min
